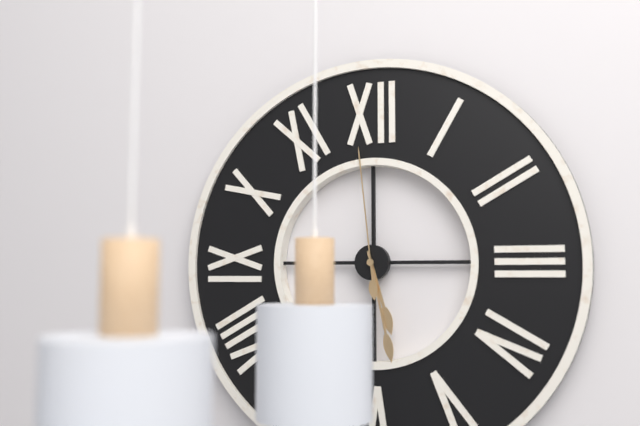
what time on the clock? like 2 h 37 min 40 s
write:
5 h 28 min 59 s
